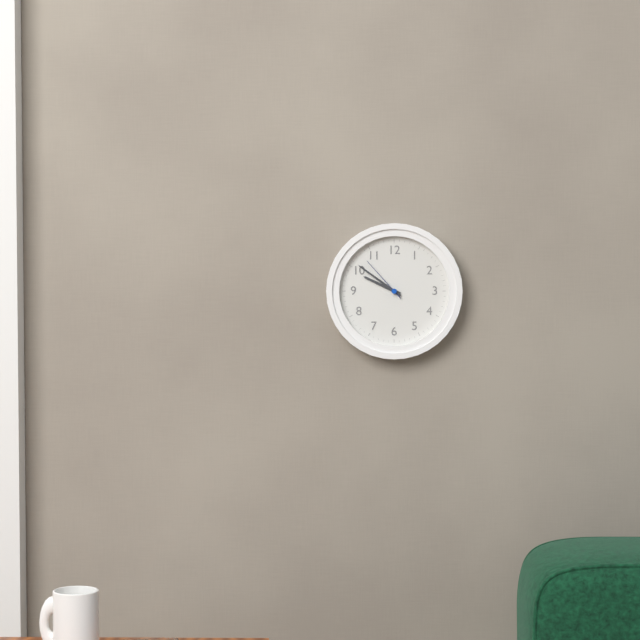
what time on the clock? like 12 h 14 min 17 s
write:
9 h 51 min 53 s
